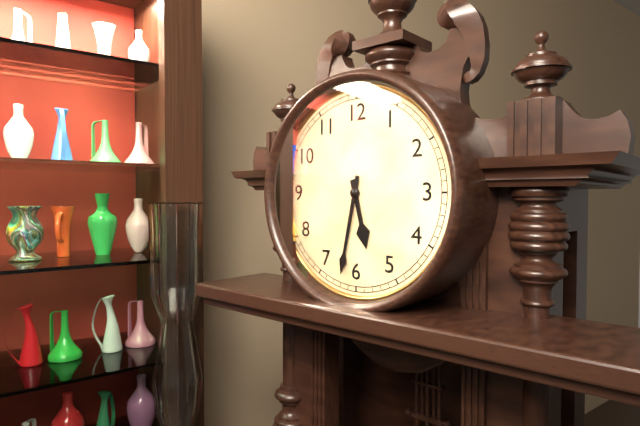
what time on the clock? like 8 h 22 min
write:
5 h 32 min
